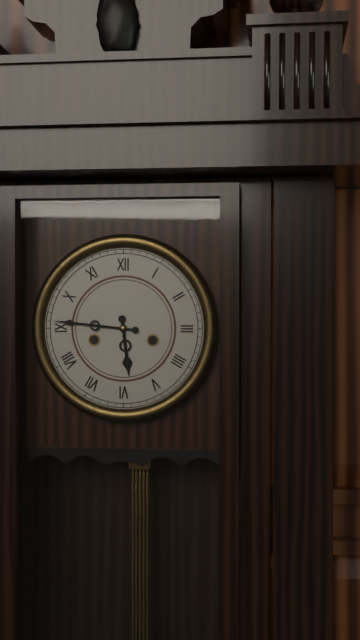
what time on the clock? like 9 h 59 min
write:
5 h 46 min
